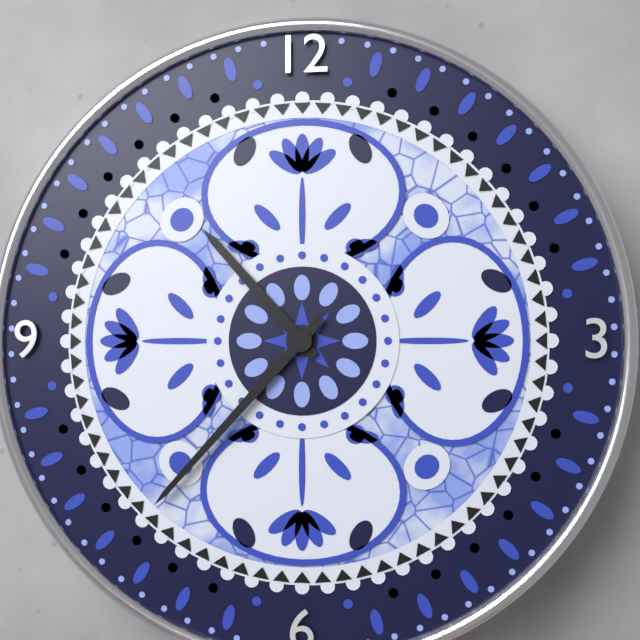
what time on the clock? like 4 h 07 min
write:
10 h 37 min
